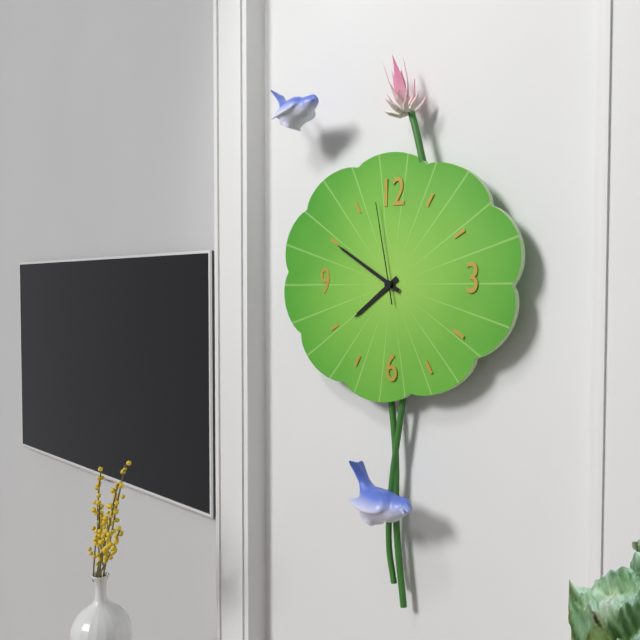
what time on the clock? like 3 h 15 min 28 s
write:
7 h 50 min 58 s
